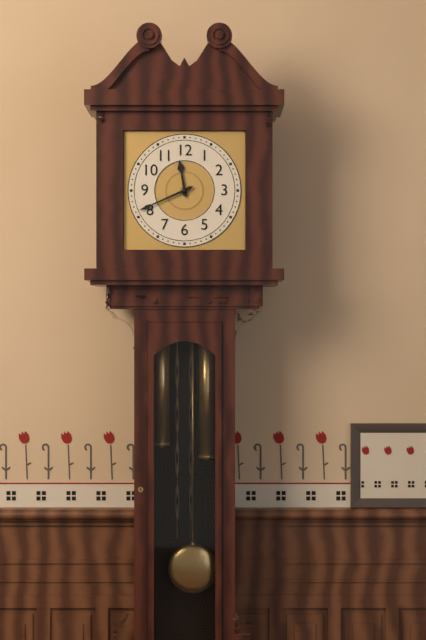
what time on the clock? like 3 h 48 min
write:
11 h 41 min
